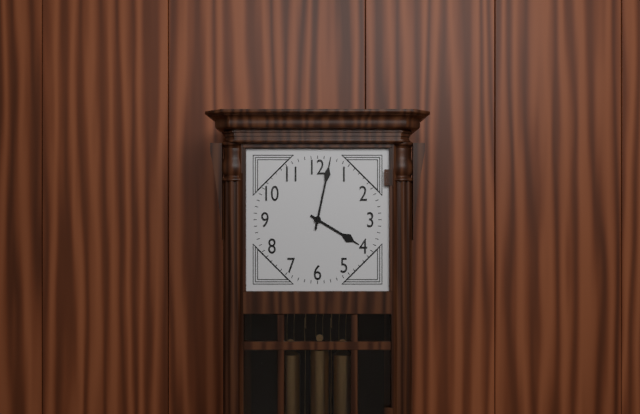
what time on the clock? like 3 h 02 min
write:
4 h 02 min
